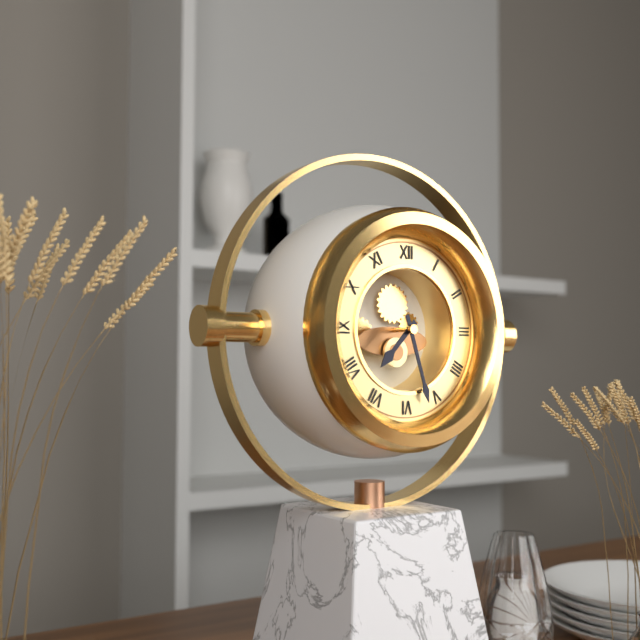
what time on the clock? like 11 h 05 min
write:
7 h 27 min
